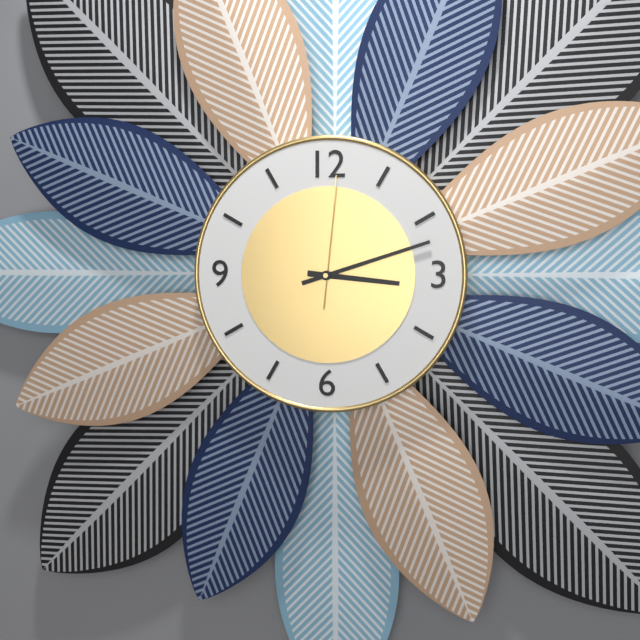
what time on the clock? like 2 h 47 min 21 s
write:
3 h 12 min 01 s
